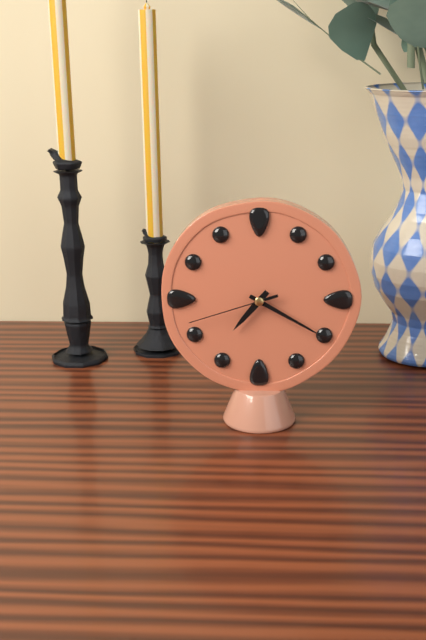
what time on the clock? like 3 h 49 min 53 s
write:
7 h 20 min 42 s
